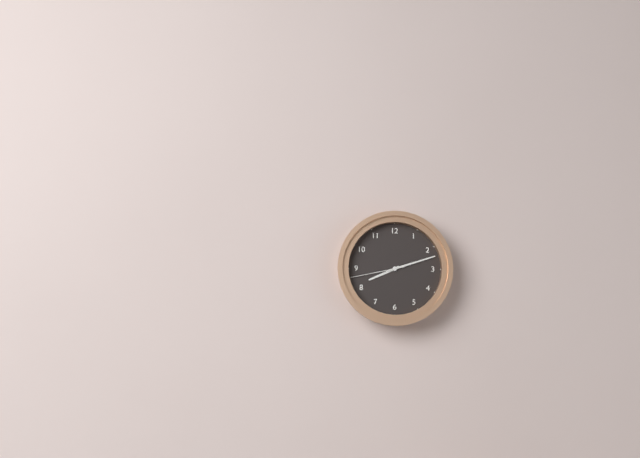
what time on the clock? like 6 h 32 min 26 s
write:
8 h 12 min 43 s
